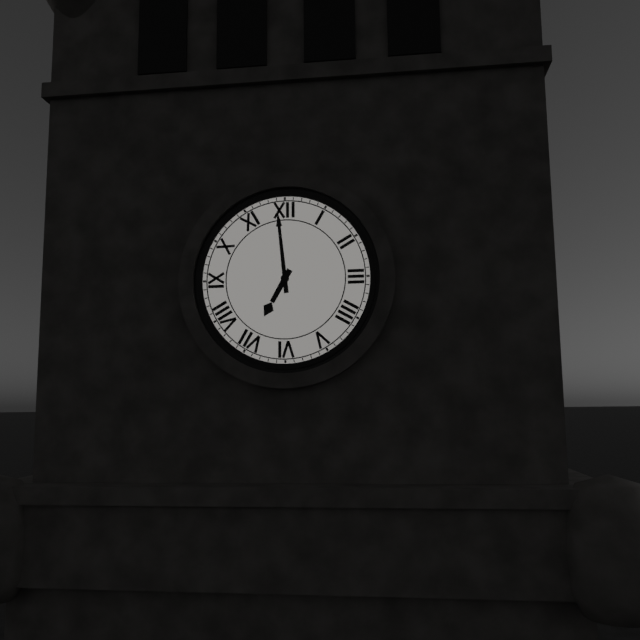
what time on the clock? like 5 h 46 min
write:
6 h 59 min
